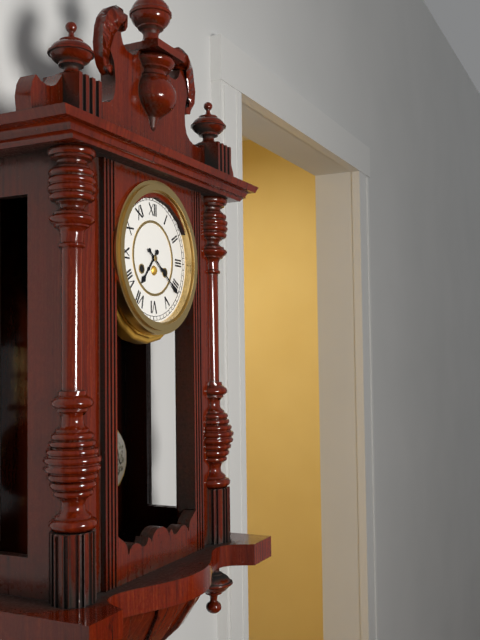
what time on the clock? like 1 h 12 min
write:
7 h 21 min
